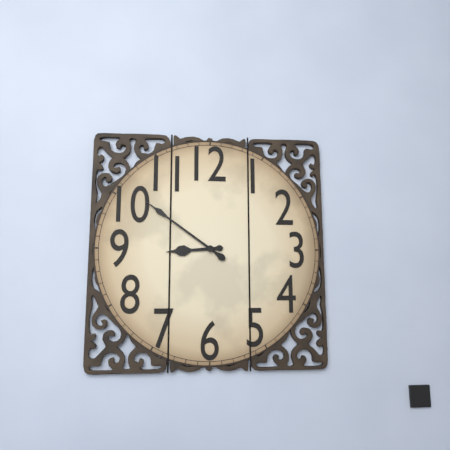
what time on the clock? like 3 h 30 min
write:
8 h 51 min
